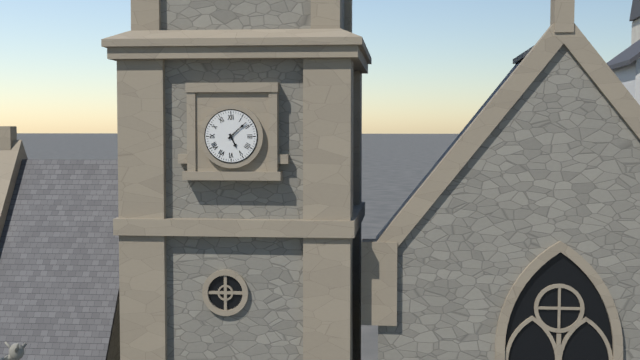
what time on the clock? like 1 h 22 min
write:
5 h 08 min
